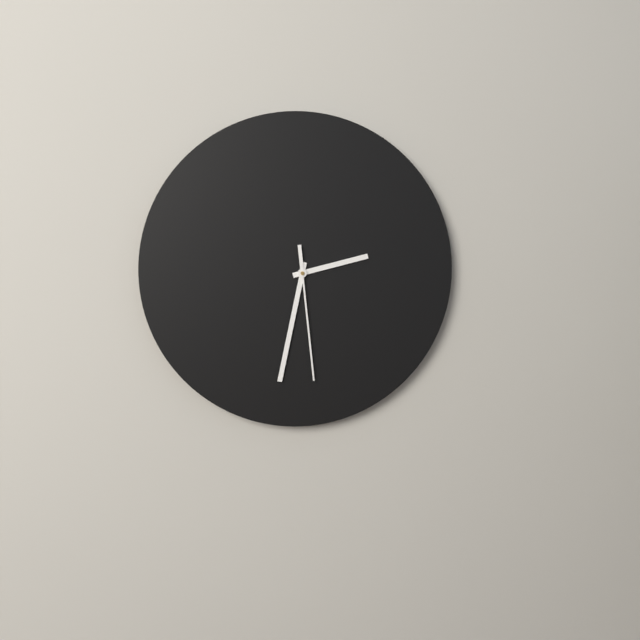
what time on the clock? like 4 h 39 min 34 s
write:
2 h 32 min 29 s
